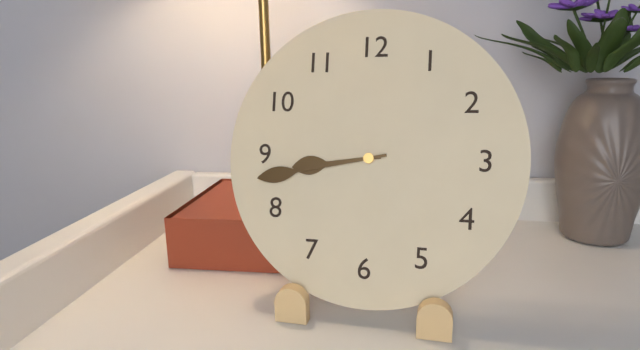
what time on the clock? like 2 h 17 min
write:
8 h 43 min
